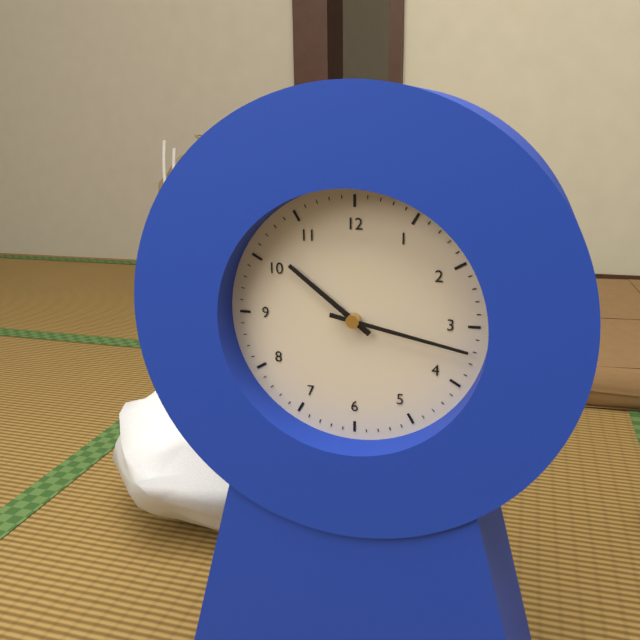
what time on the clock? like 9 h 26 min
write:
10 h 17 min
